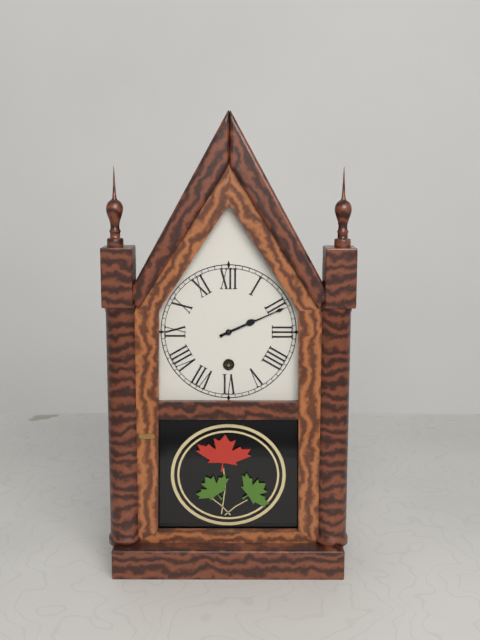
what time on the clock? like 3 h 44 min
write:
2 h 11 min
